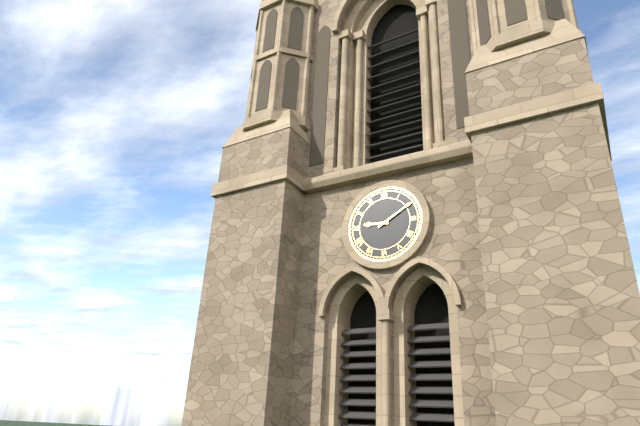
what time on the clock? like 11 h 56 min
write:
9 h 10 min
